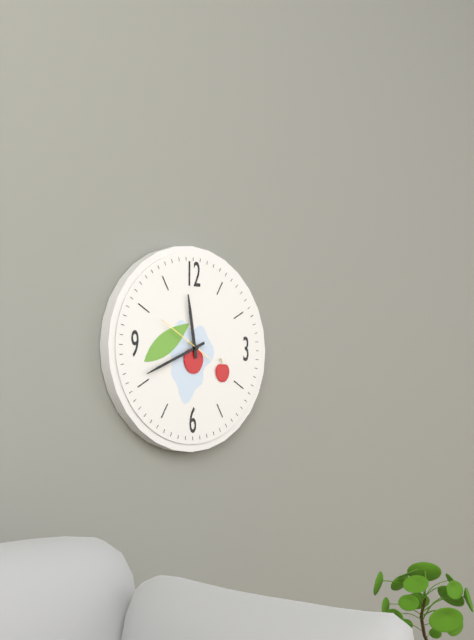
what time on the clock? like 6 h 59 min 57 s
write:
11 h 41 min 50 s
